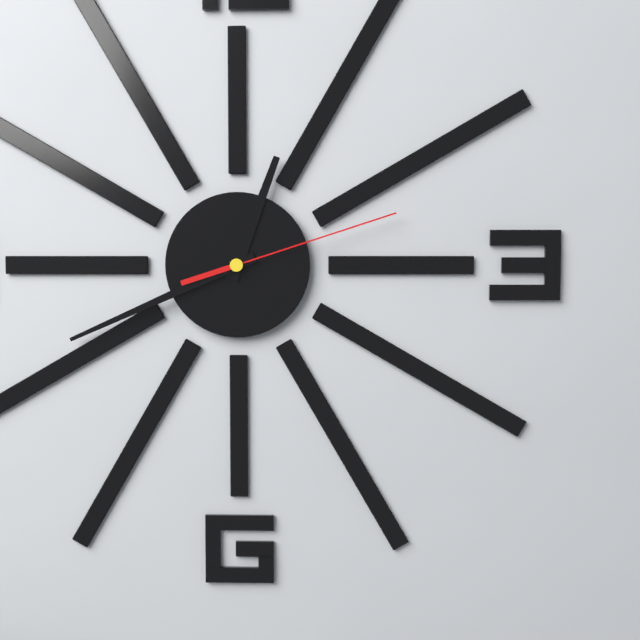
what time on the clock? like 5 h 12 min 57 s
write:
12 h 41 min 12 s
